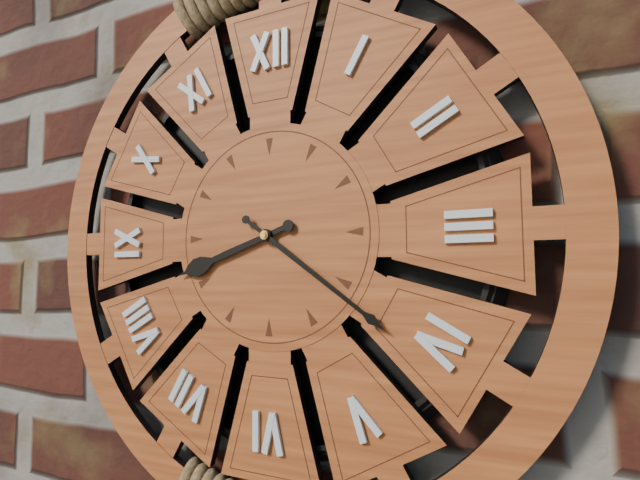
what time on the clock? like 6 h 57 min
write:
8 h 21 min
